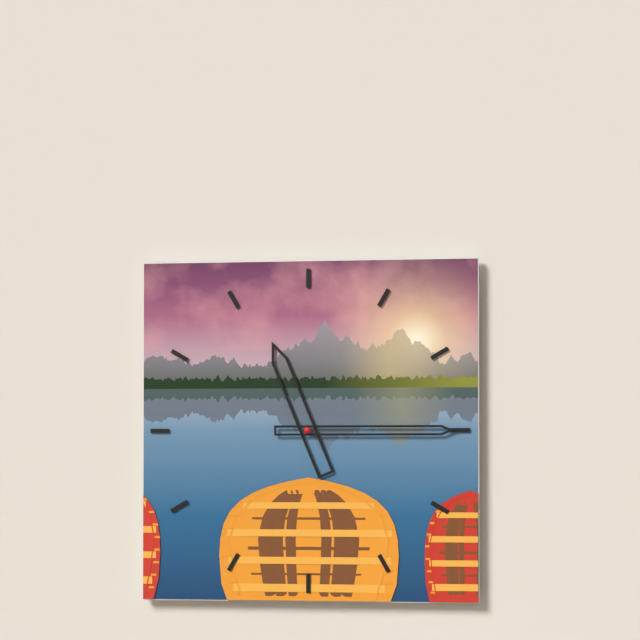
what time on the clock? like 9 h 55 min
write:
11 h 15 min
